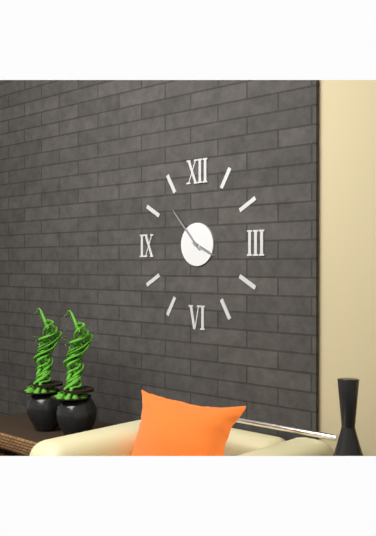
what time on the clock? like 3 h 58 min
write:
3 h 53 min
